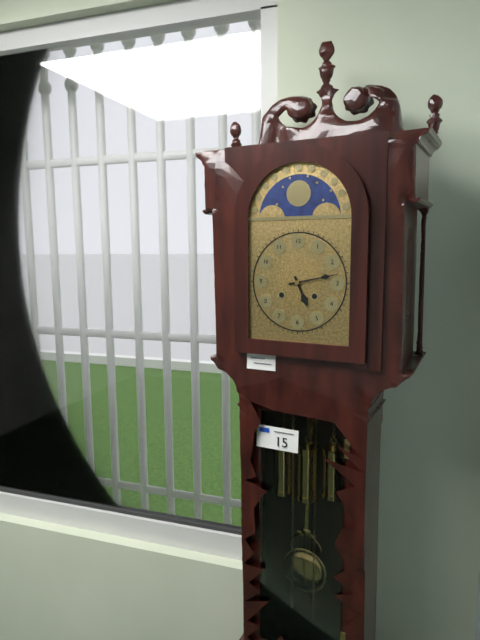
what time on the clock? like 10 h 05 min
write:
5 h 13 min
